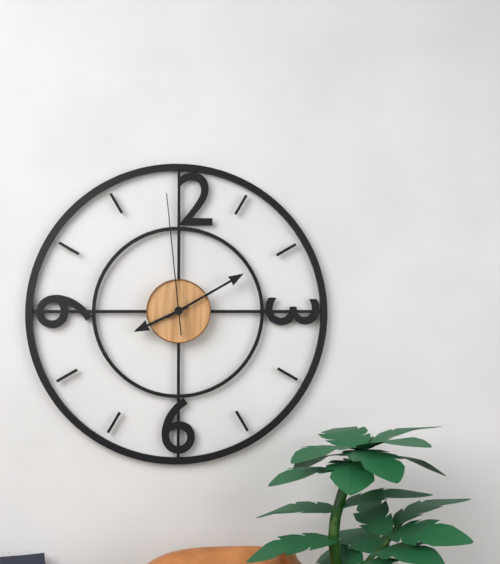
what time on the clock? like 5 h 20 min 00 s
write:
8 h 10 min 59 s
